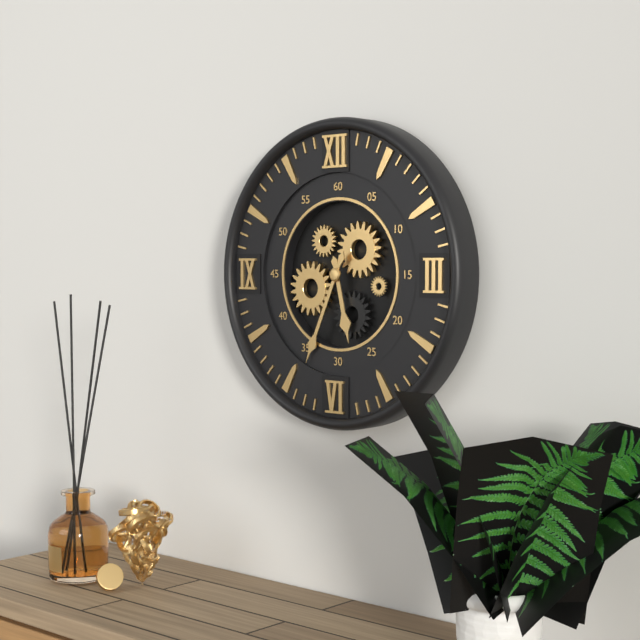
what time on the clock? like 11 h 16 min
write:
5 h 34 min
